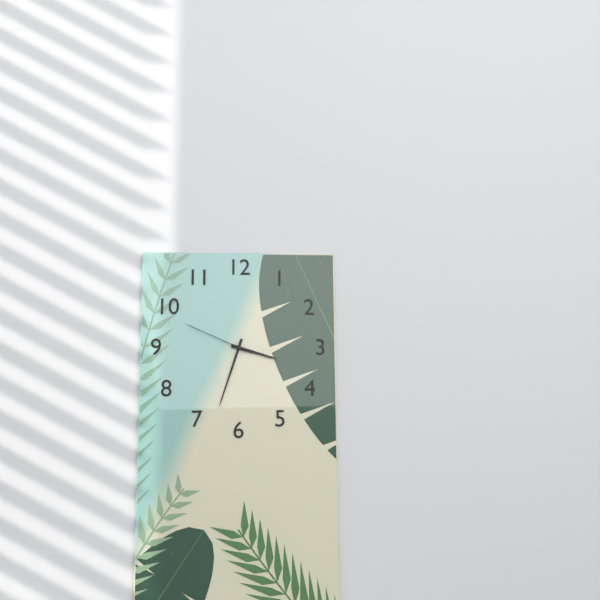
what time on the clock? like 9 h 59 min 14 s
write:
3 h 33 min 49 s
